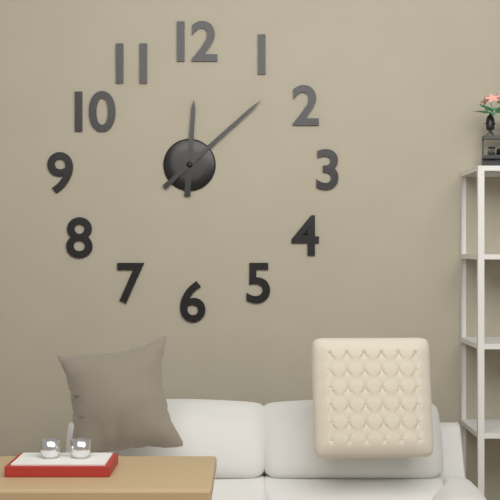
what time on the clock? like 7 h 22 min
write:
12 h 08 min
